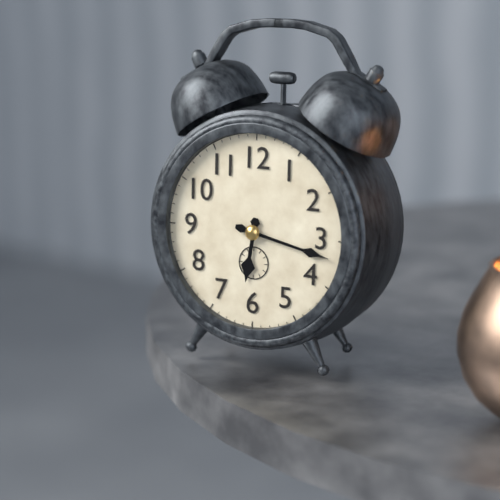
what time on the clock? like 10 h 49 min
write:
6 h 17 min
